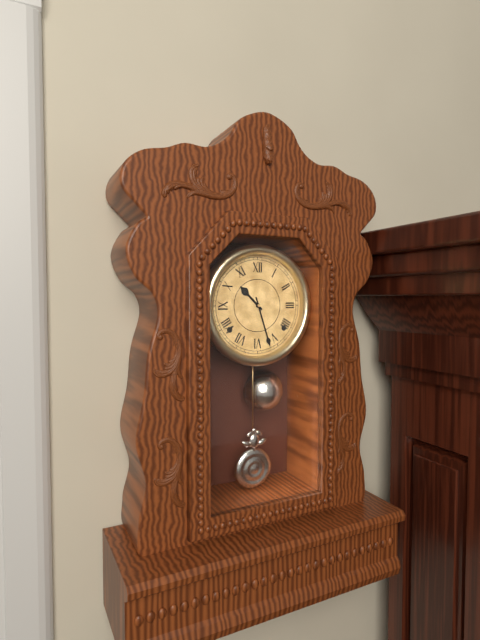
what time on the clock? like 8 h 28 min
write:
10 h 27 min
